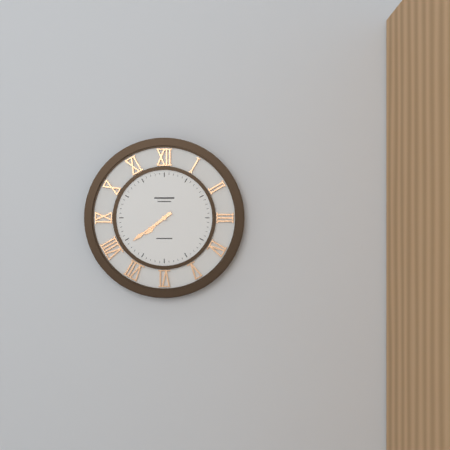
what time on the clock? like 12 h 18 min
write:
7 h 39 min
